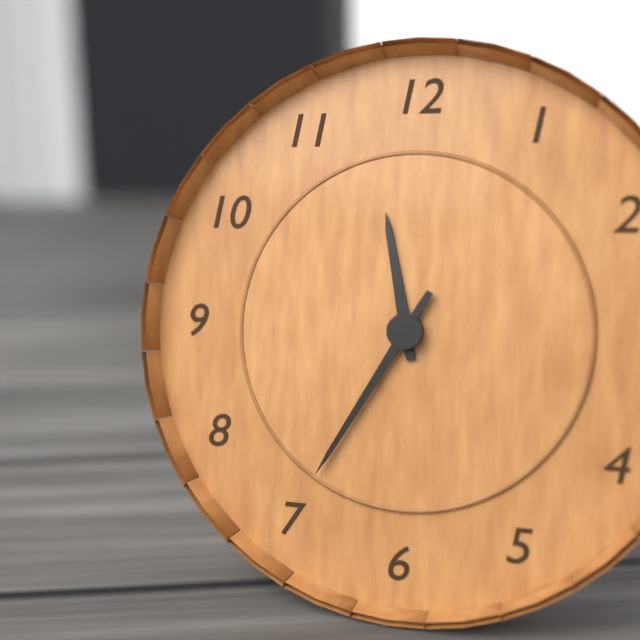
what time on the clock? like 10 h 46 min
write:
11 h 35 min
